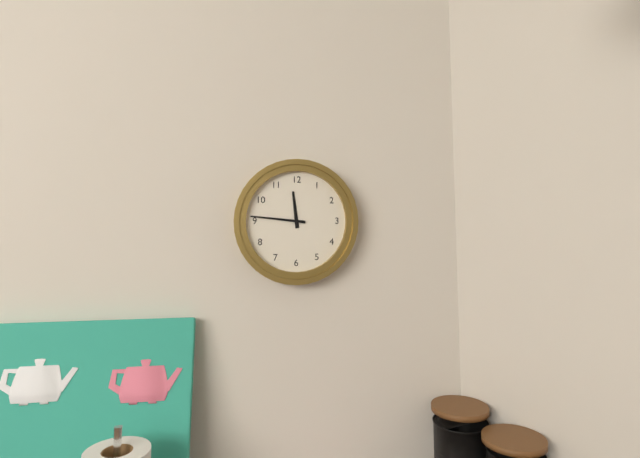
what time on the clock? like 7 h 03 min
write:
11 h 46 min
